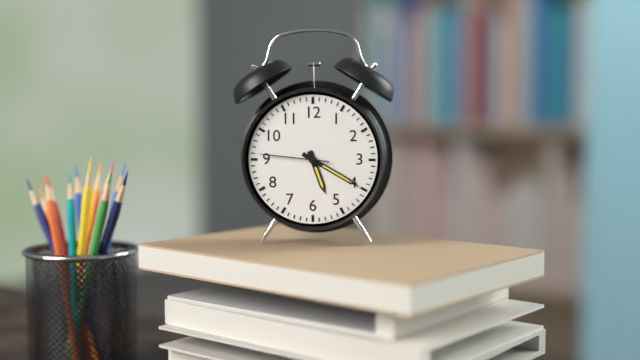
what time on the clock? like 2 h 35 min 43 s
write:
5 h 20 min 46 s
